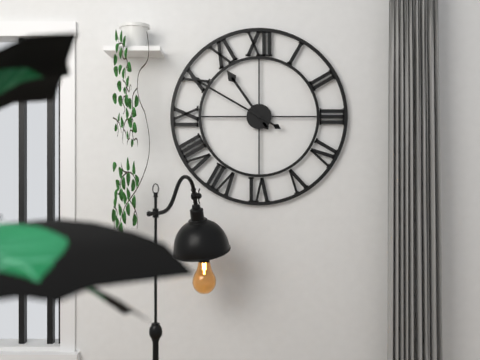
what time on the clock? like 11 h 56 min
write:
10 h 50 min
